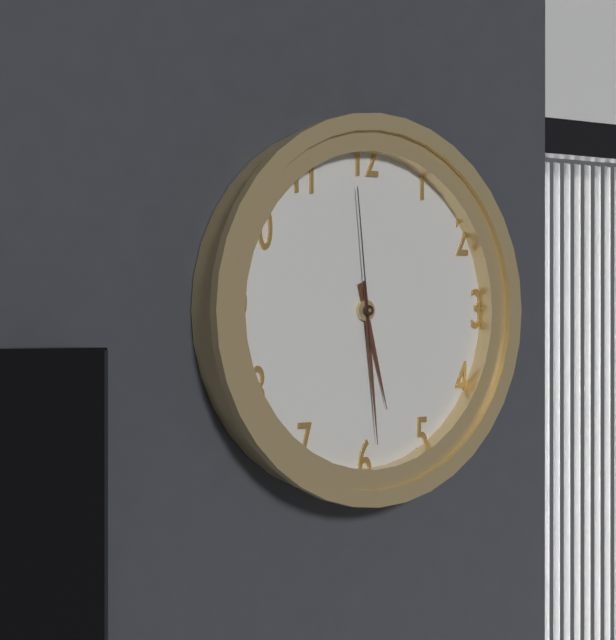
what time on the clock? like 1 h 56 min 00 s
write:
5 h 29 min 59 s
